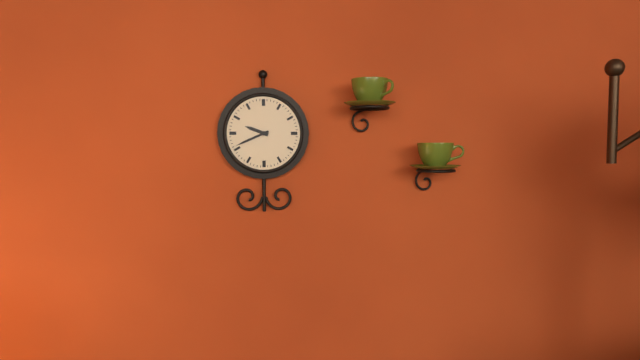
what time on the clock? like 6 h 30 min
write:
9 h 41 min
